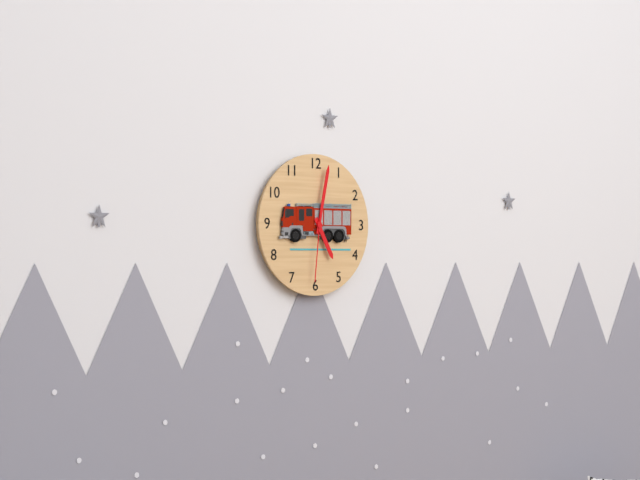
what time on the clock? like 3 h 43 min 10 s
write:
5 h 02 min 31 s
